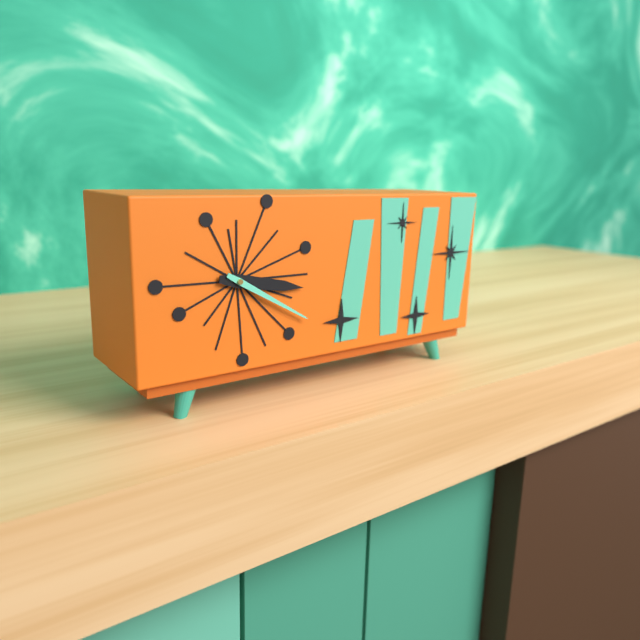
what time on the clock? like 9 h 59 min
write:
3 h 20 min
